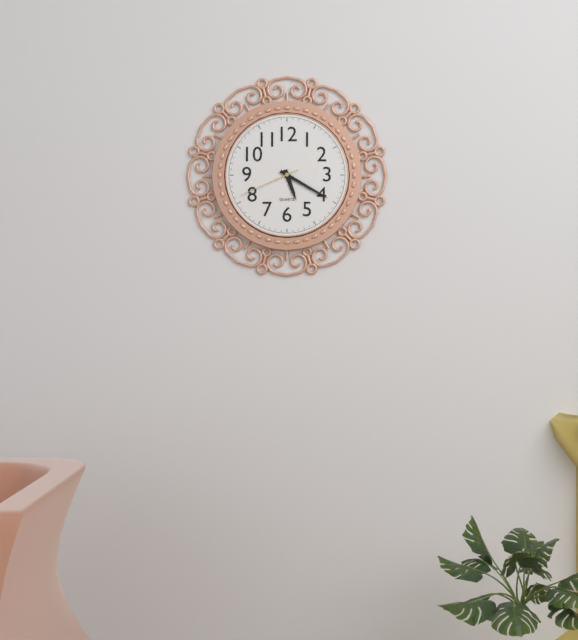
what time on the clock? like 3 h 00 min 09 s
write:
5 h 20 min 41 s
